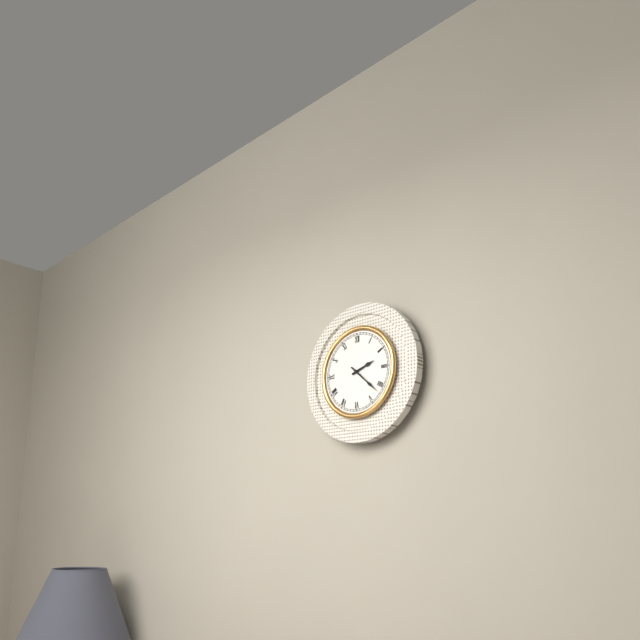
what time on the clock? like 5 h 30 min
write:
2 h 22 min
